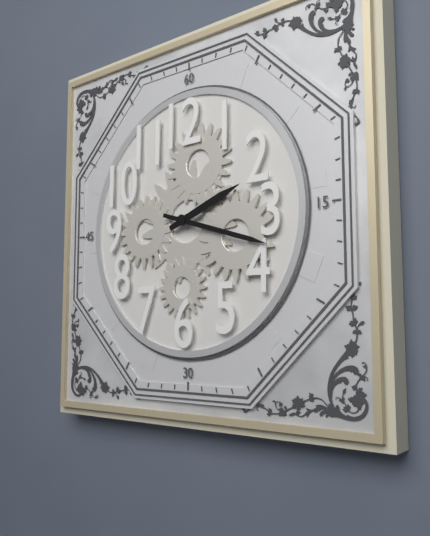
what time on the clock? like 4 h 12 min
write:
2 h 18 min
